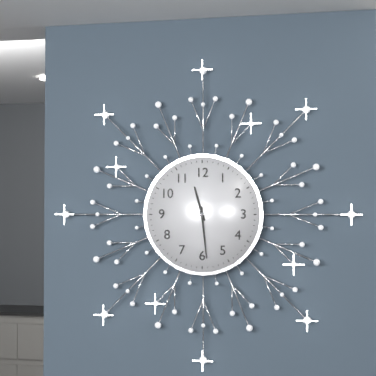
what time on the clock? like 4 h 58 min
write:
11 h 29 min
